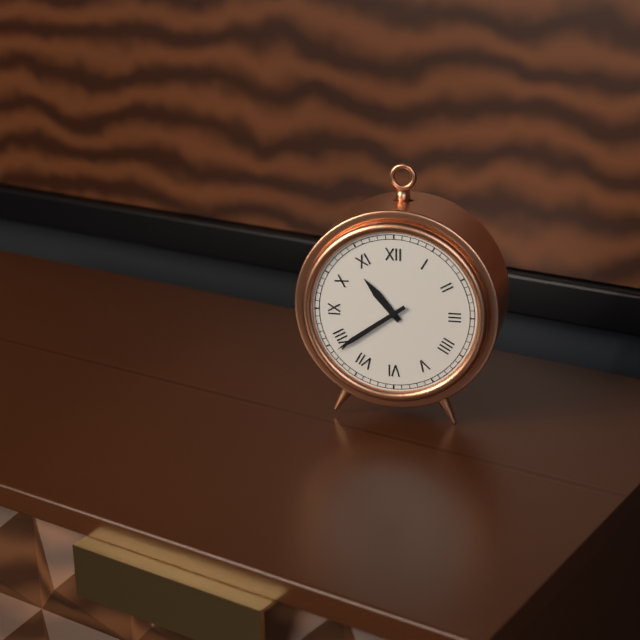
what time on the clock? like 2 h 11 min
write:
10 h 39 min
